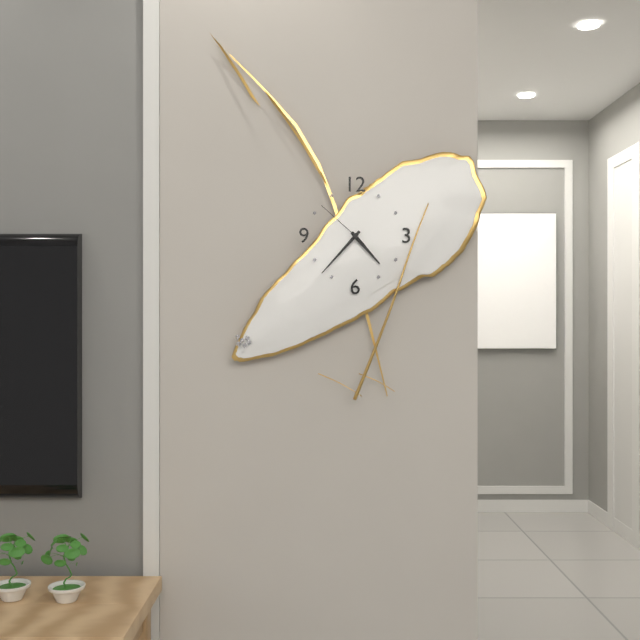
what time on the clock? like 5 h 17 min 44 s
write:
4 h 37 min 52 s
